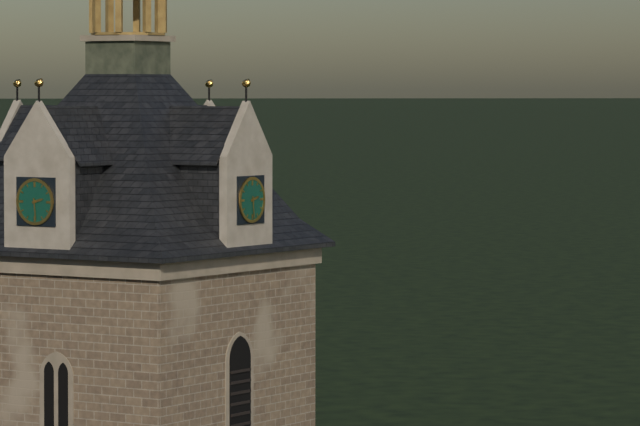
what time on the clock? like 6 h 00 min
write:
2 h 29 min
